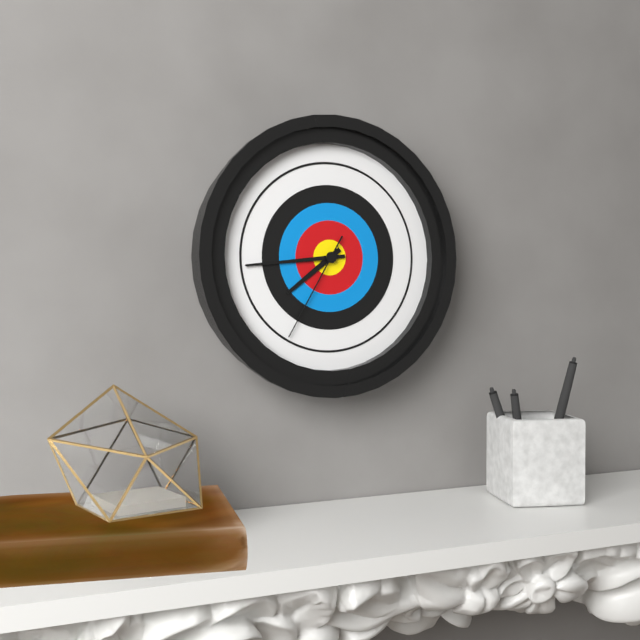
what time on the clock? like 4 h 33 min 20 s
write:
7 h 44 min 35 s
